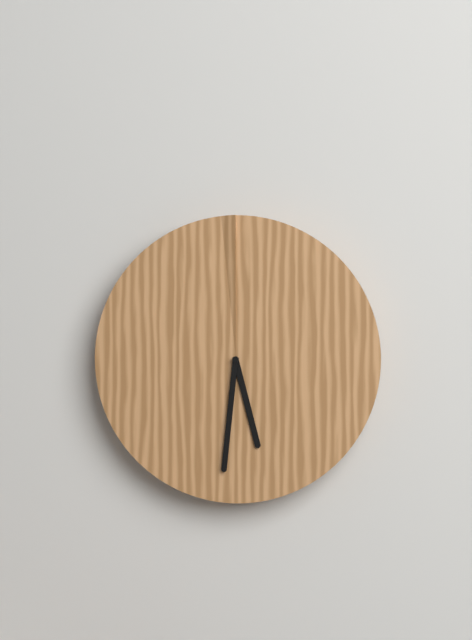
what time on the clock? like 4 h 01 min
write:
5 h 31 min
